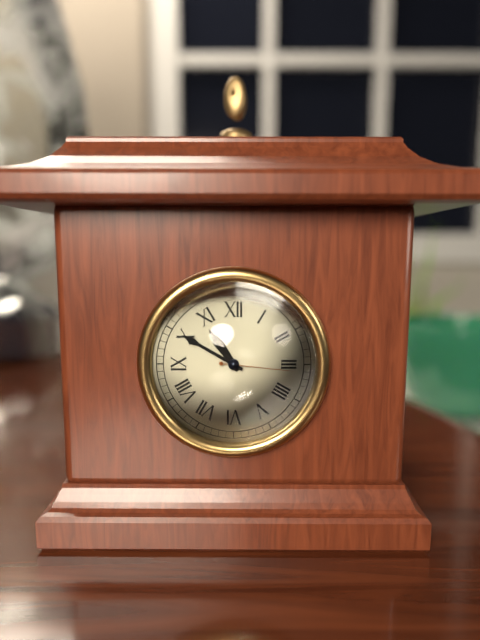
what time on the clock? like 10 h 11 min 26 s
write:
10 h 50 min 16 s
